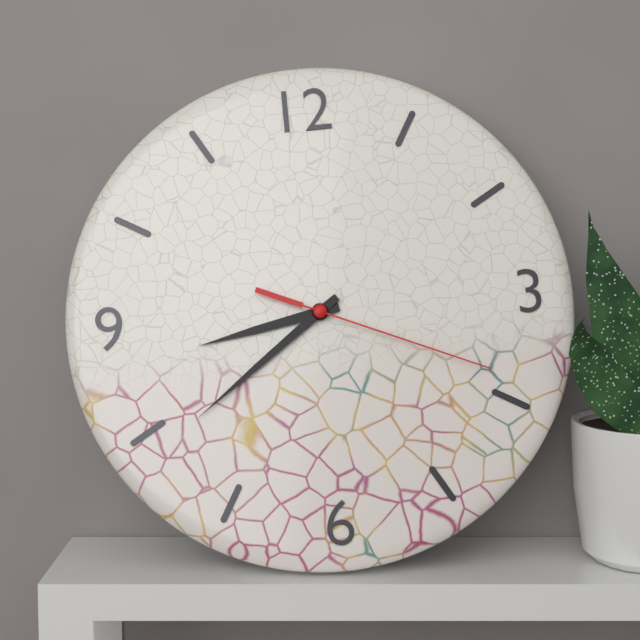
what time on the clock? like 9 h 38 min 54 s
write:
8 h 39 min 19 s
